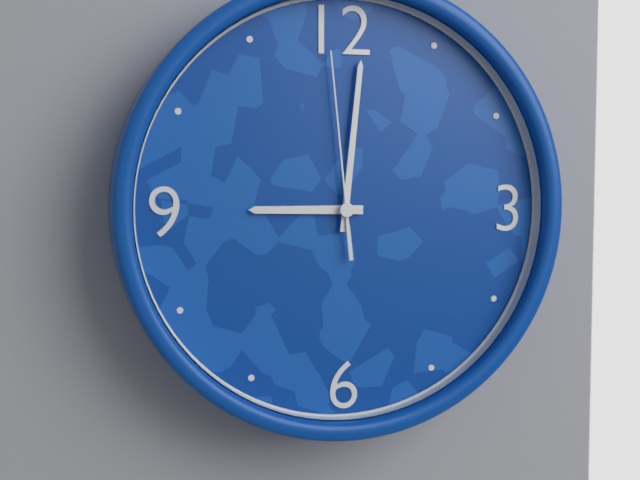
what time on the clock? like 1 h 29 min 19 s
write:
9 h 01 min 59 s
